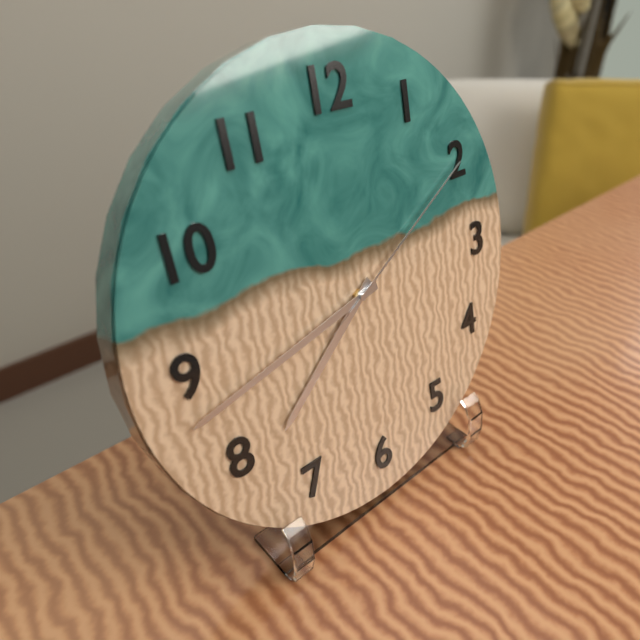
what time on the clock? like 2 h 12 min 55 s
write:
7 h 43 min 10 s
